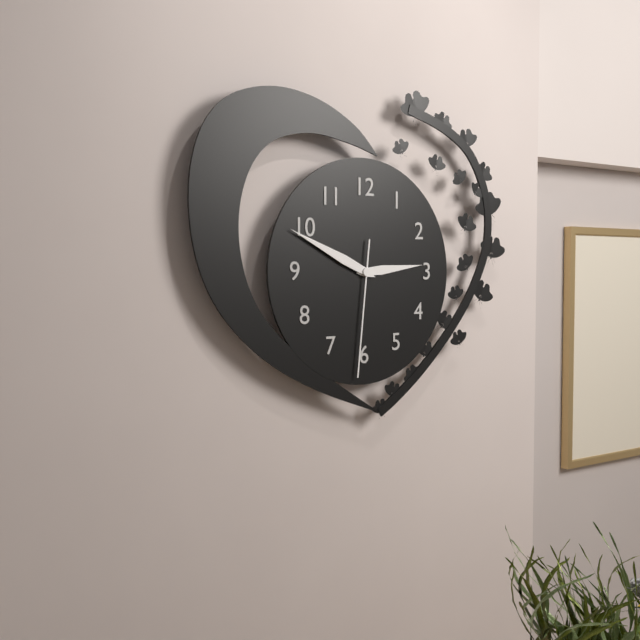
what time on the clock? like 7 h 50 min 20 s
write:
2 h 49 min 31 s
